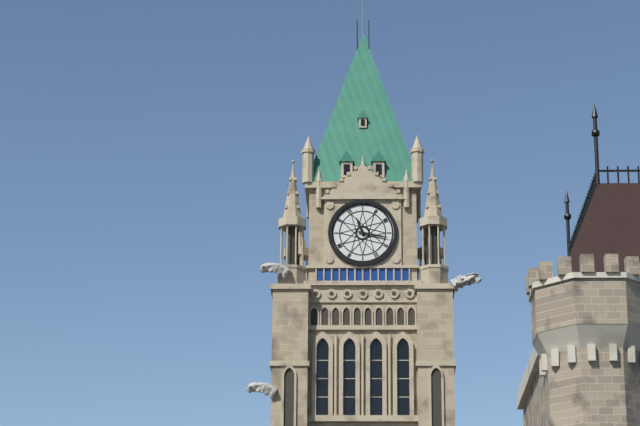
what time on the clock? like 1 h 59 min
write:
11 h 17 min
